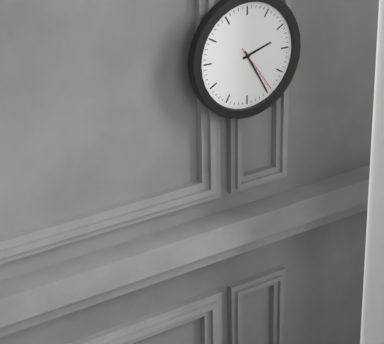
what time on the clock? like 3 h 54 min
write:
2 h 25 min
